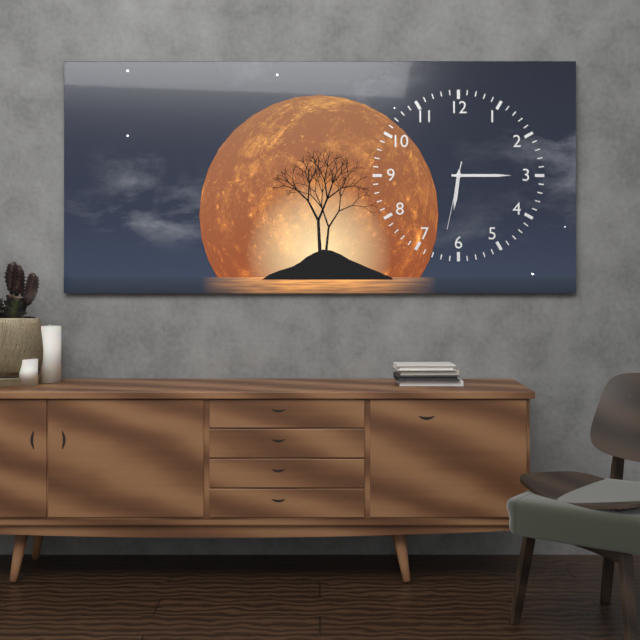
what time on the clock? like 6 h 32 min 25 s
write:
6 h 15 min 32 s
